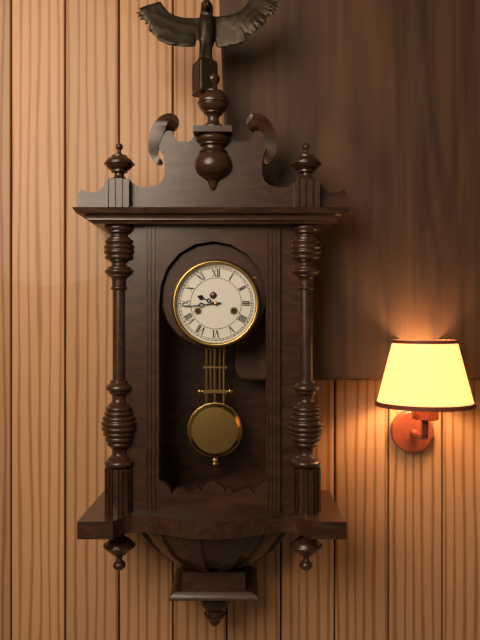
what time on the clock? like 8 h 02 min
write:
9 h 44 min
